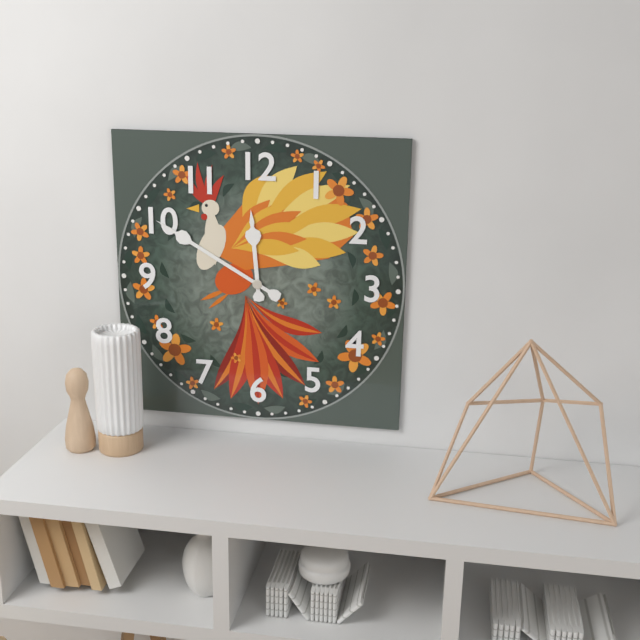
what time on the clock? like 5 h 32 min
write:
11 h 50 min
